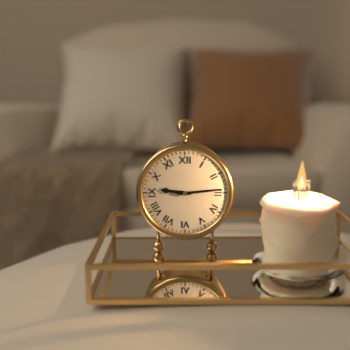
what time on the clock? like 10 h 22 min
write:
9 h 14 min
